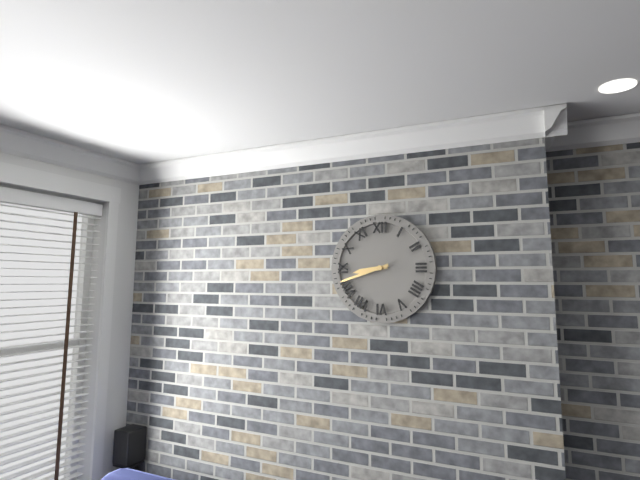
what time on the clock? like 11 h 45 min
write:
8 h 42 min
